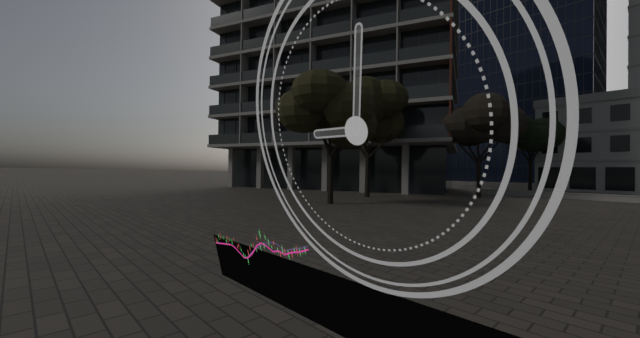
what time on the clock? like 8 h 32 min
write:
9 h 02 min
